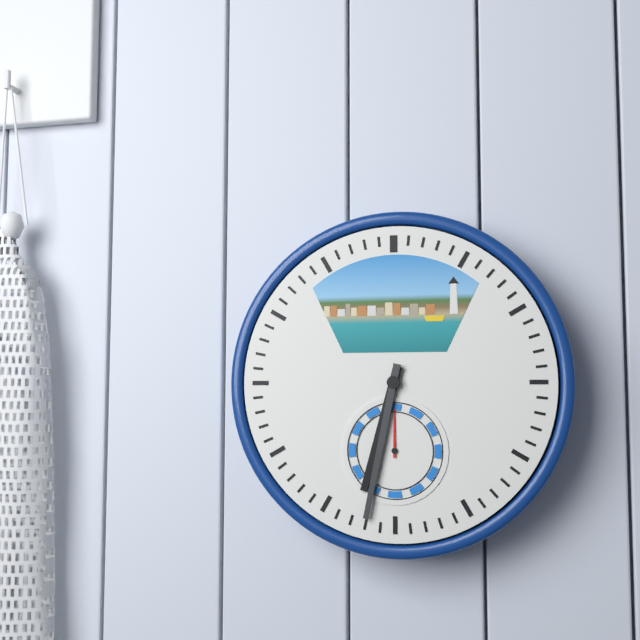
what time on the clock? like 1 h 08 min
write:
6 h 32 min
